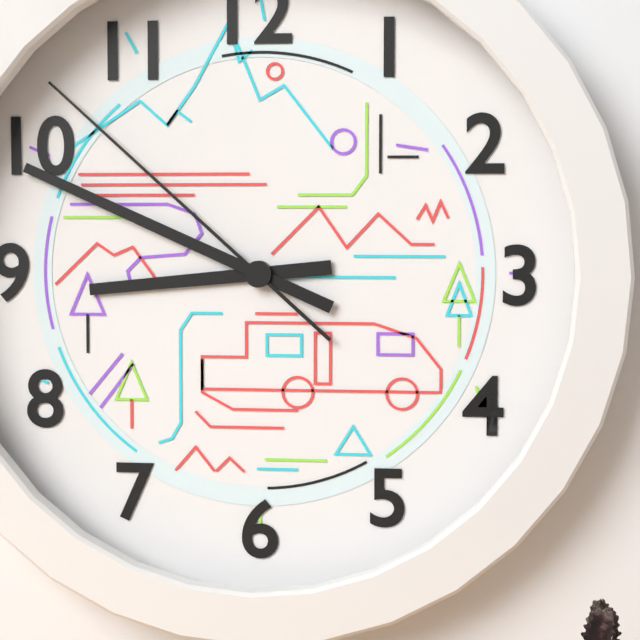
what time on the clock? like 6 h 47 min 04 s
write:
8 h 49 min 52 s
